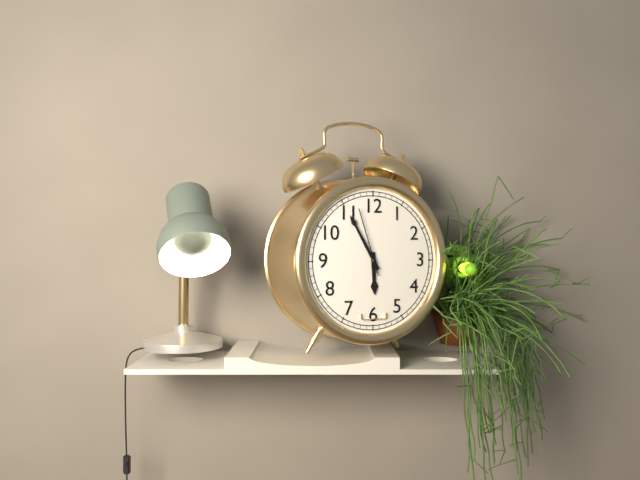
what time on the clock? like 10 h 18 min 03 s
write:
5 h 55 min 57 s
